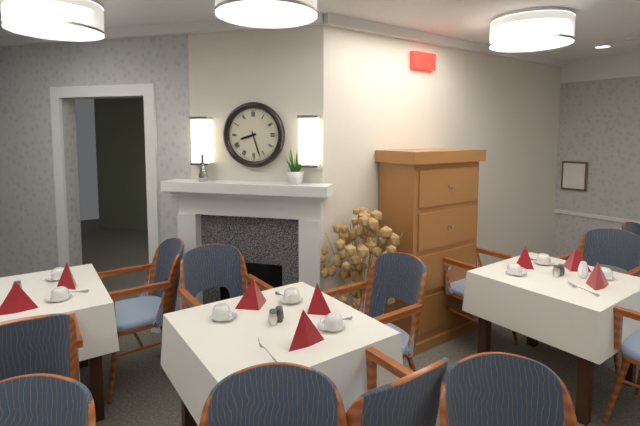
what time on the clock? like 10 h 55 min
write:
8 h 27 min
